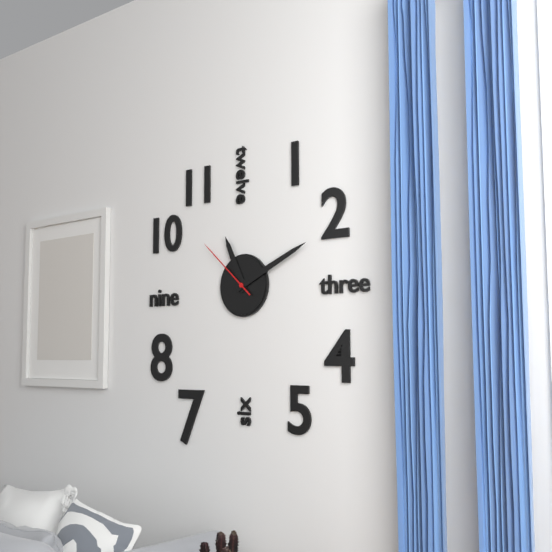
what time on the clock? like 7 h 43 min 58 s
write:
11 h 11 min 52 s
